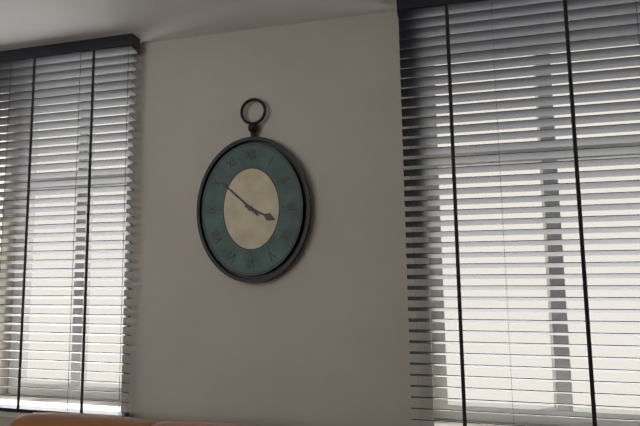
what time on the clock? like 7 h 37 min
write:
3 h 52 min
